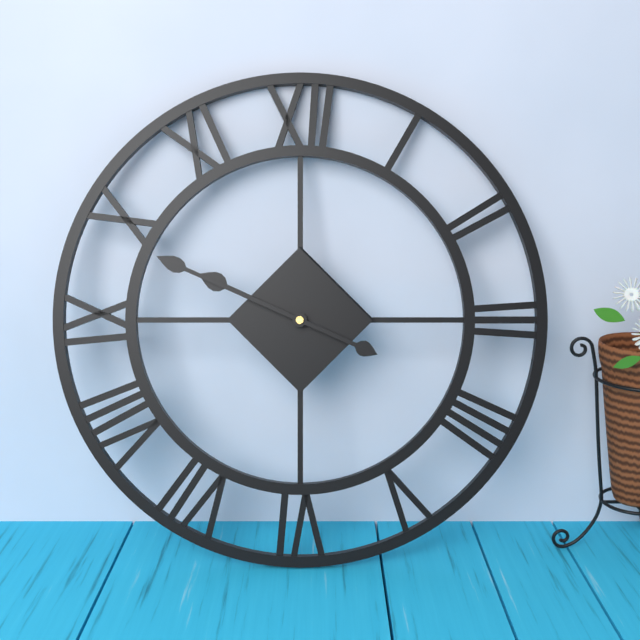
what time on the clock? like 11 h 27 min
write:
9 h 49 min
